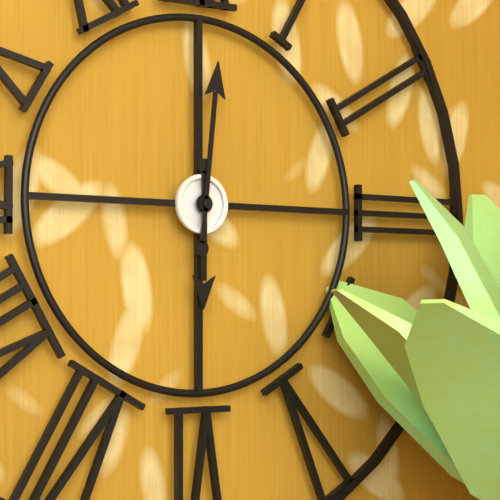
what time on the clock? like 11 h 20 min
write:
6 h 01 min
